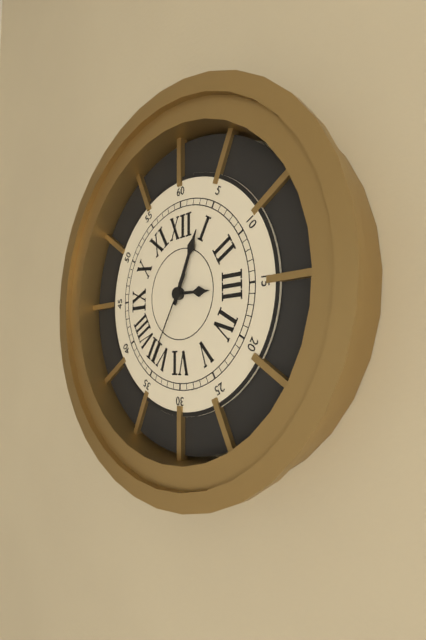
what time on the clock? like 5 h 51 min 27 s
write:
3 h 04 min 35 s
